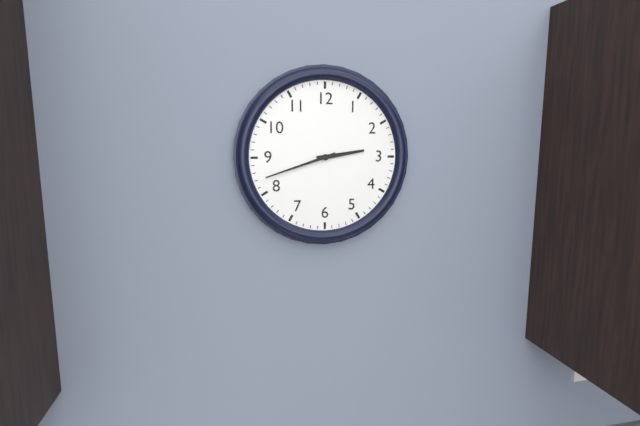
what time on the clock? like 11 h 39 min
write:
2 h 42 min
